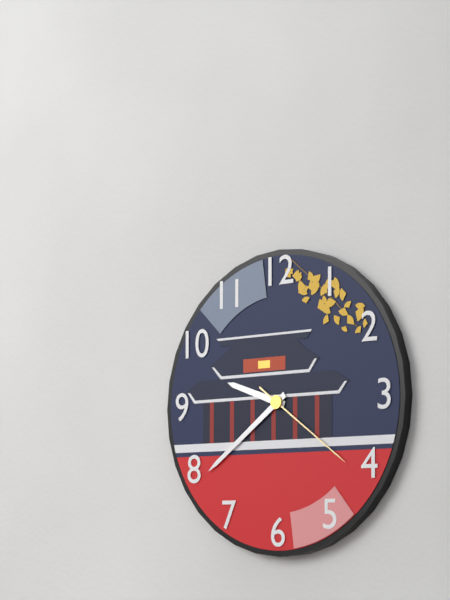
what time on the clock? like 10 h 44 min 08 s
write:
9 h 39 min 21 s
